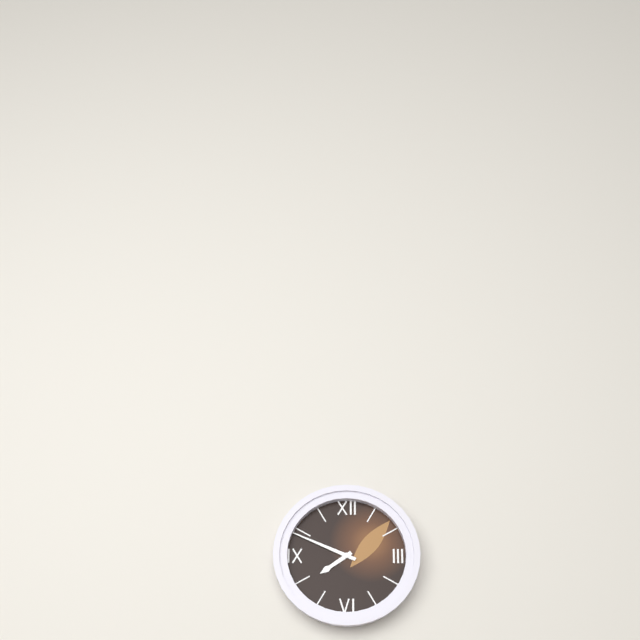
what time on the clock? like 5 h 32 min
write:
7 h 49 min
